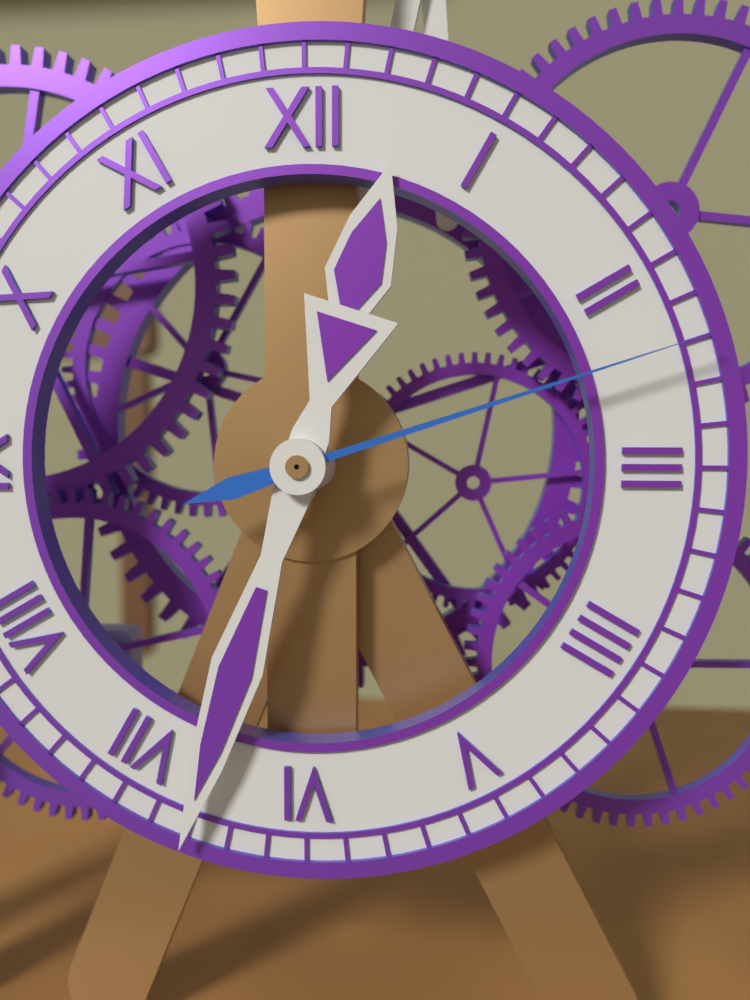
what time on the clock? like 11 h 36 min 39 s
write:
12 h 33 min 12 s
